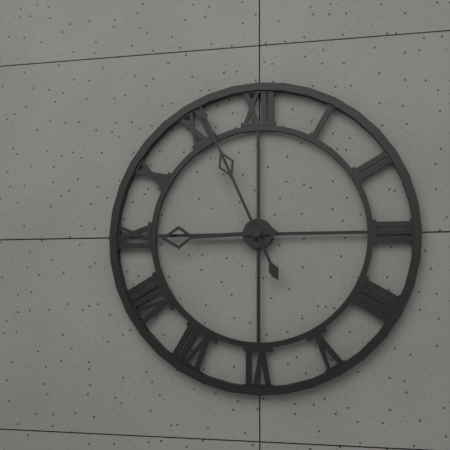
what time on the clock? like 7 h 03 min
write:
8 h 56 min
